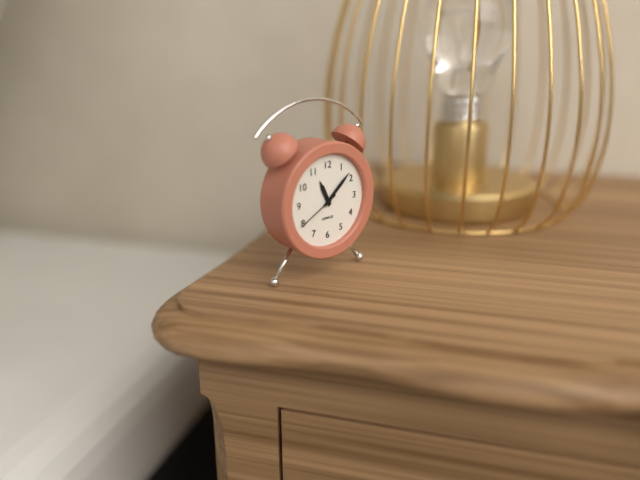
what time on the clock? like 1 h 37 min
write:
11 h 08 min
